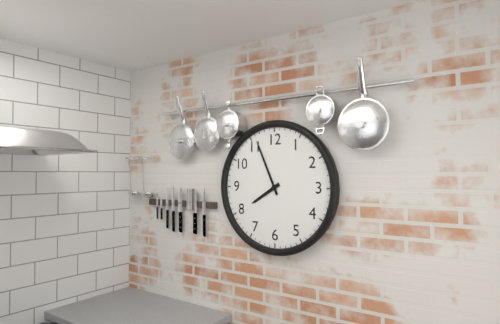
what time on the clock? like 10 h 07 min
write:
7 h 56 min
